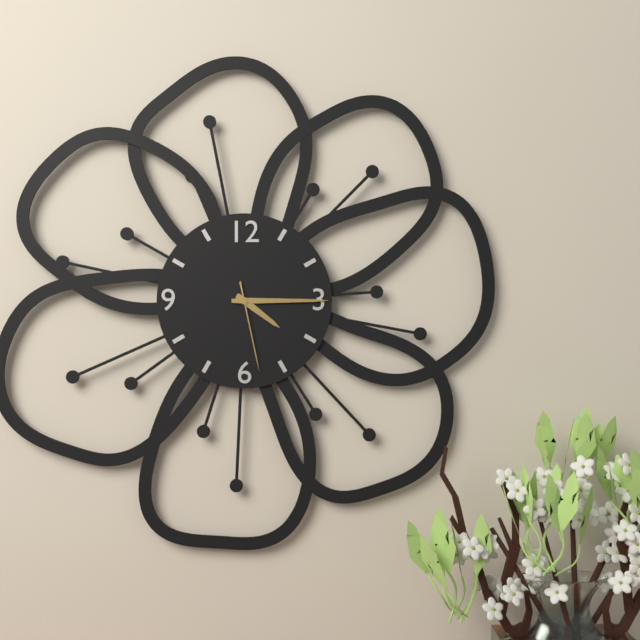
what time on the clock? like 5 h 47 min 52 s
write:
4 h 15 min 28 s
